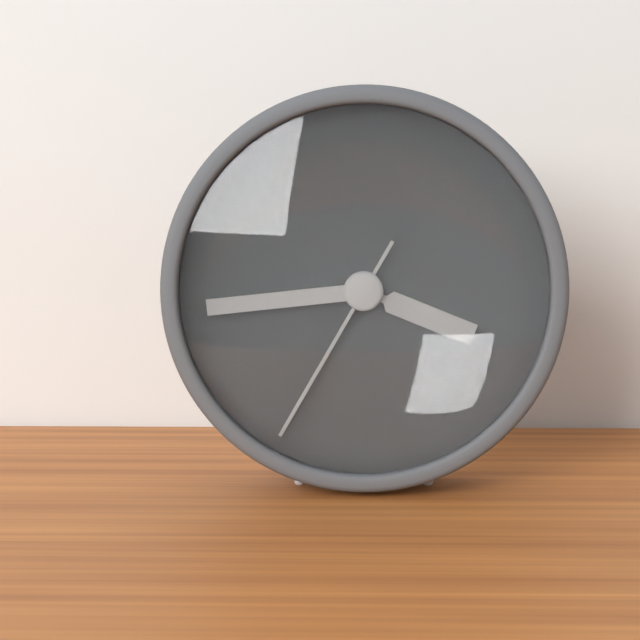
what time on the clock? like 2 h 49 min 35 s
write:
3 h 44 min 35 s
